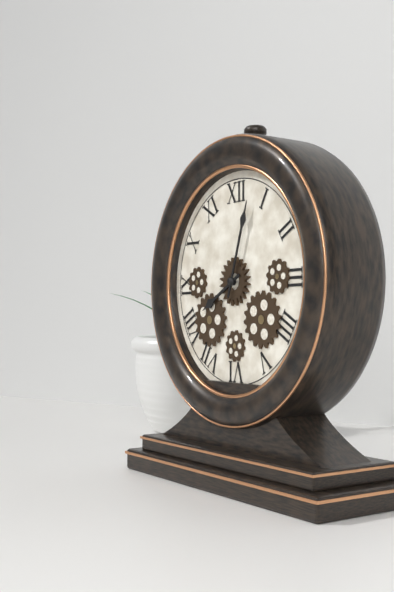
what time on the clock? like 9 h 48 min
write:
8 h 03 min
